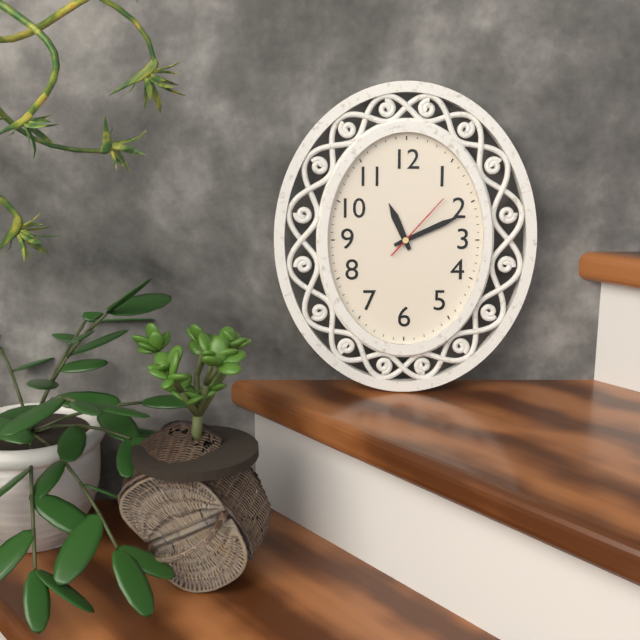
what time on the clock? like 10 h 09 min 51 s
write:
11 h 11 min 07 s
